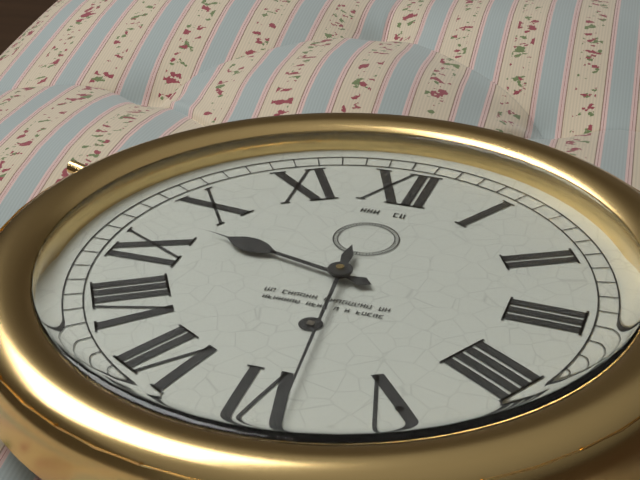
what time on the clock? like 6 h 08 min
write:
9 h 29 min
